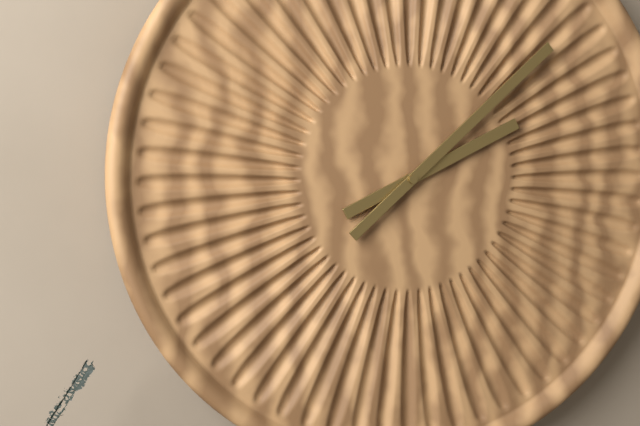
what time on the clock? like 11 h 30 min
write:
2 h 08 min
